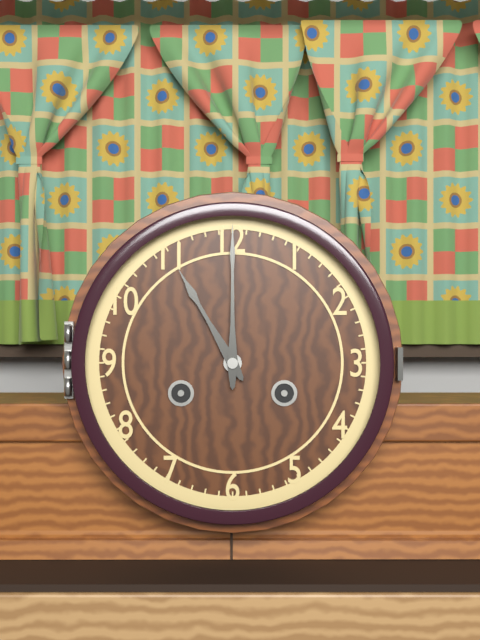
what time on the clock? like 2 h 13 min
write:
11 h 00 min
